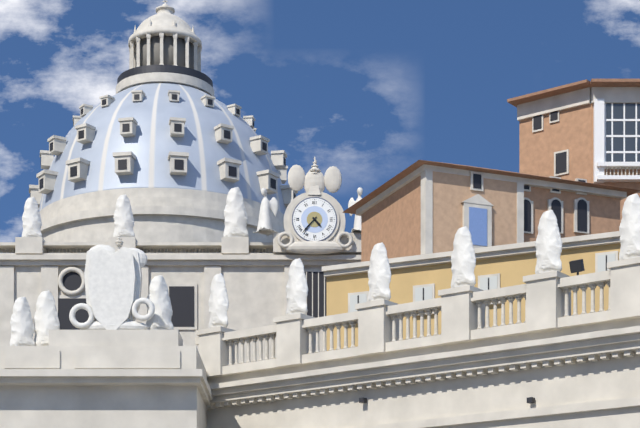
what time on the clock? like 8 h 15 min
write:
4 h 37 min
